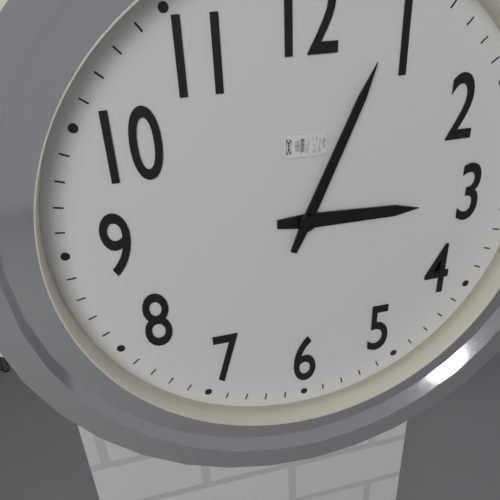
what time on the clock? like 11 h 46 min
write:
3 h 04 min
